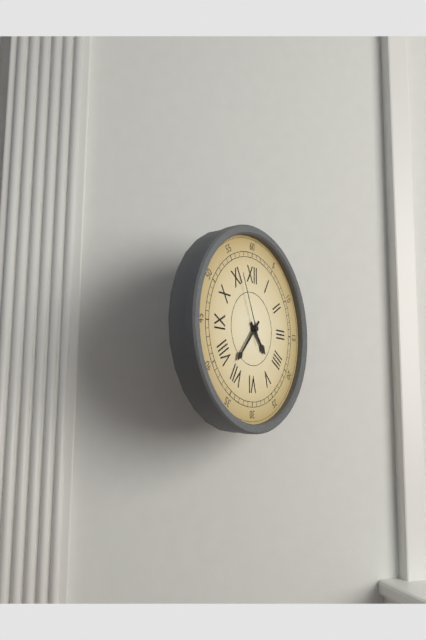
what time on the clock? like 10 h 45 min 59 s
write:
4 h 37 min 56 s
